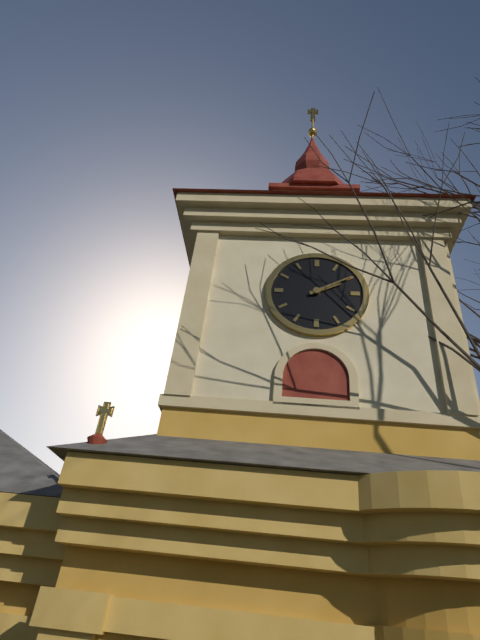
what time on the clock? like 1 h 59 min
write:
2 h 10 min
